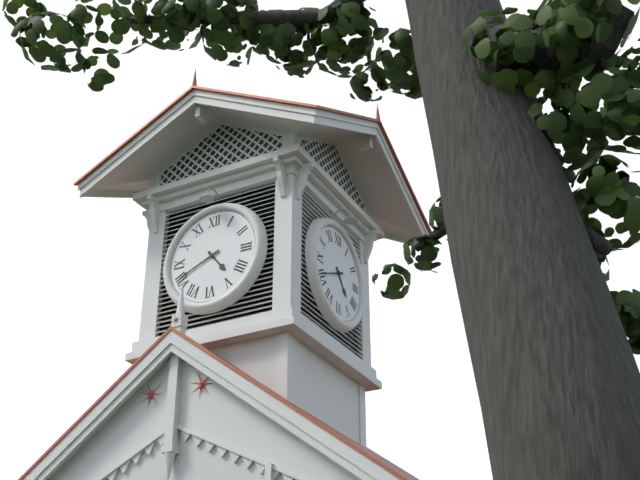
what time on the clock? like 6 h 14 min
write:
4 h 41 min
